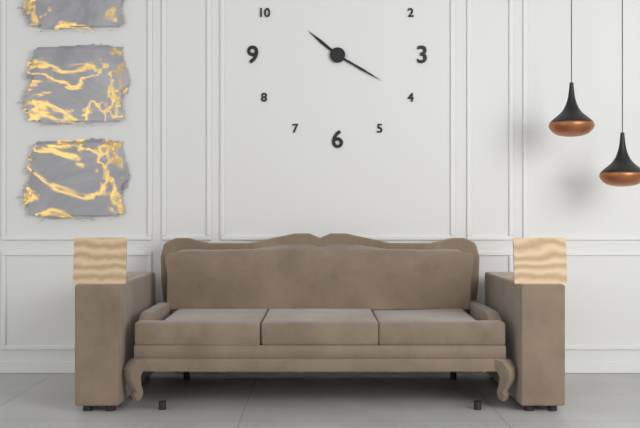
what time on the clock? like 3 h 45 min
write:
10 h 20 min
